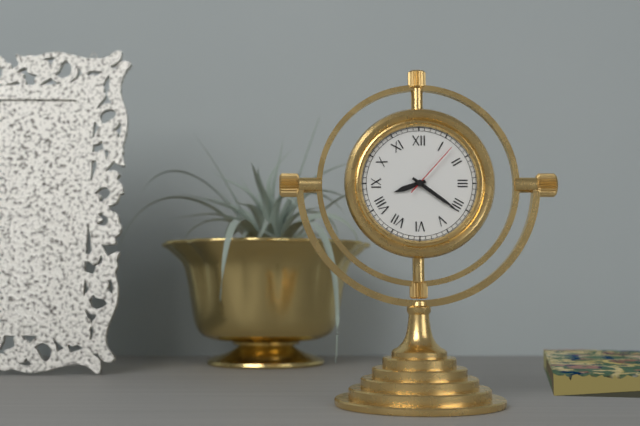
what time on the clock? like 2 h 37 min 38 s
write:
8 h 21 min 07 s
